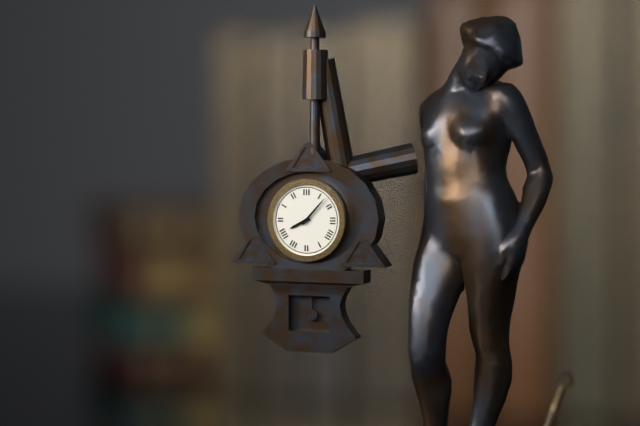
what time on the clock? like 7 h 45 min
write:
8 h 07 min
